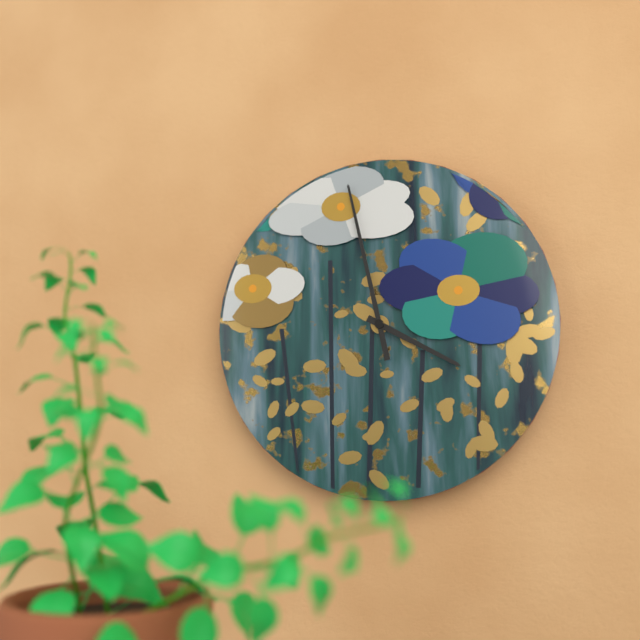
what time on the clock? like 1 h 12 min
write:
3 h 58 min
